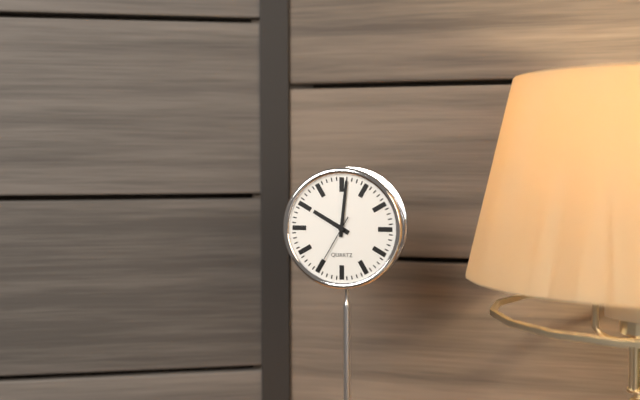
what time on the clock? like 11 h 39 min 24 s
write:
10 h 01 min 35 s
